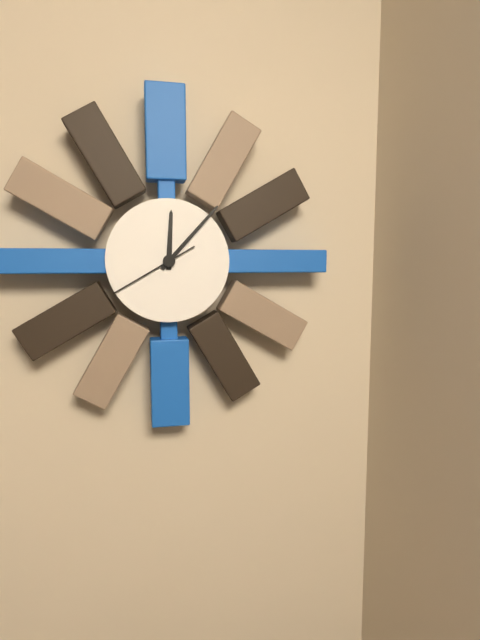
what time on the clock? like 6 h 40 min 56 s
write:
12 h 07 min 40 s
